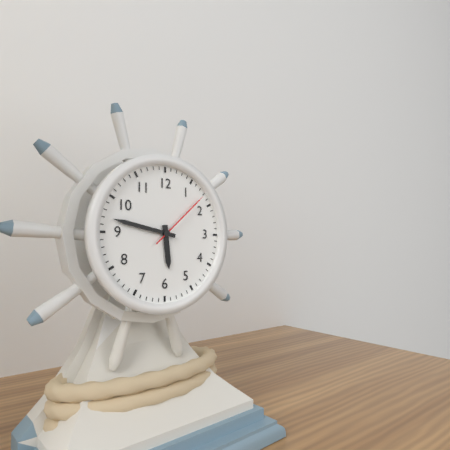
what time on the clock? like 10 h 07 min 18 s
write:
5 h 47 min 08 s
